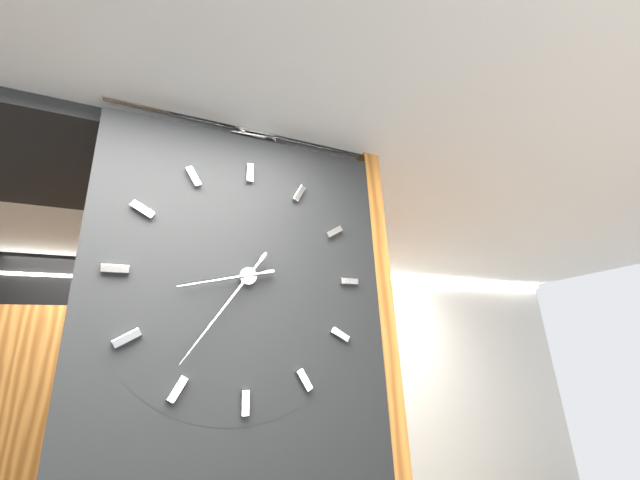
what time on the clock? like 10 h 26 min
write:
8 h 36 min
